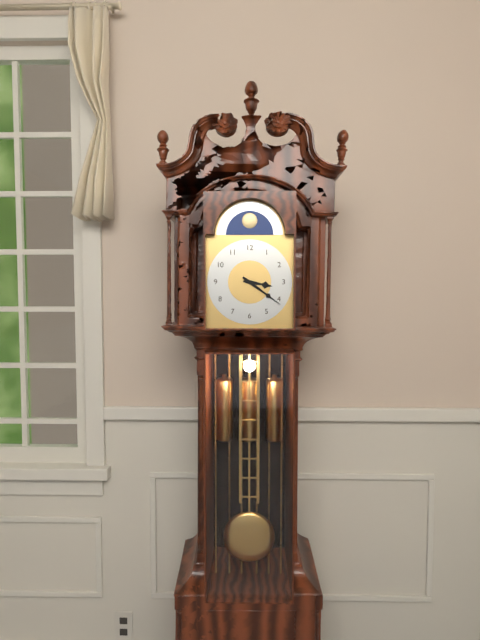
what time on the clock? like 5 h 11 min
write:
3 h 21 min
